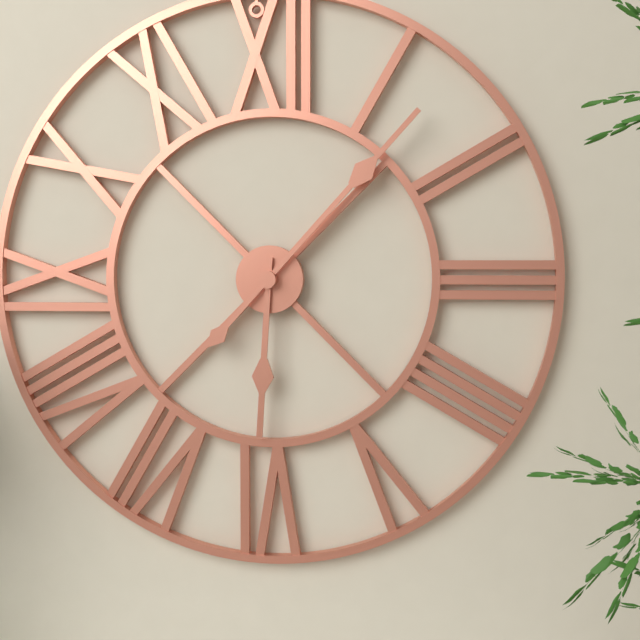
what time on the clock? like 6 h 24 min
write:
6 h 07 min
